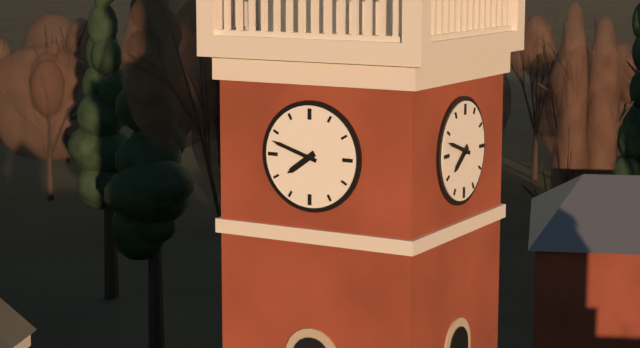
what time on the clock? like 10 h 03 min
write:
7 h 48 min
